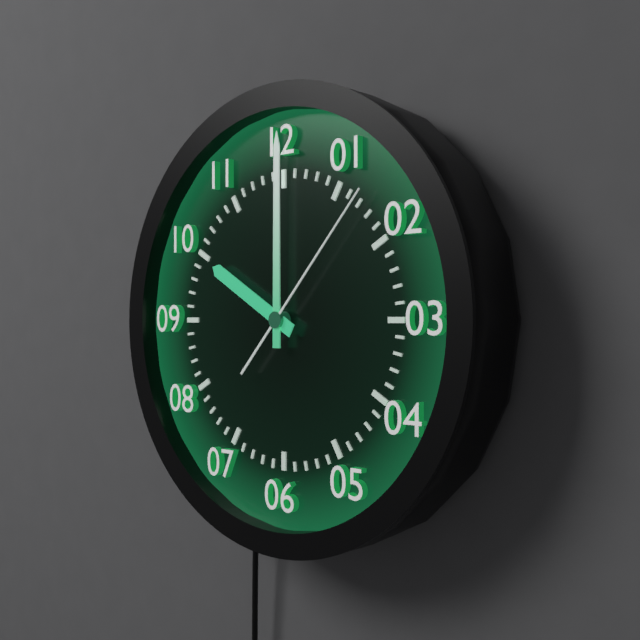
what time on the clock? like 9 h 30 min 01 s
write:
10 h 00 min 07 s
